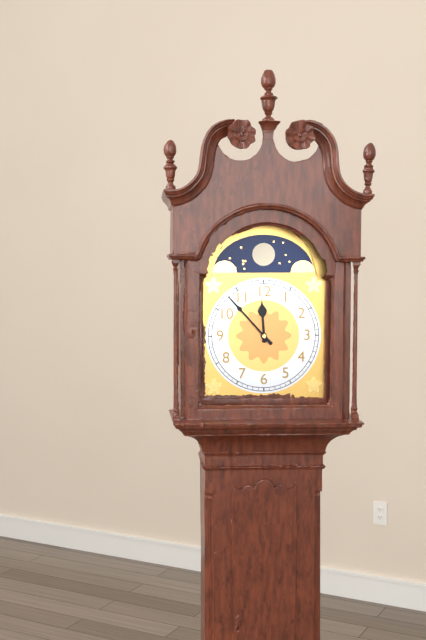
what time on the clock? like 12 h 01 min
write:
11 h 53 min
